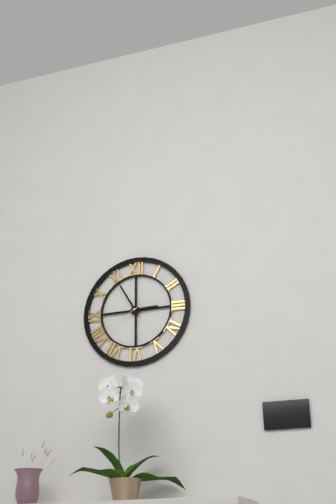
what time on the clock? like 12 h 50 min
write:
2 h 55 min
